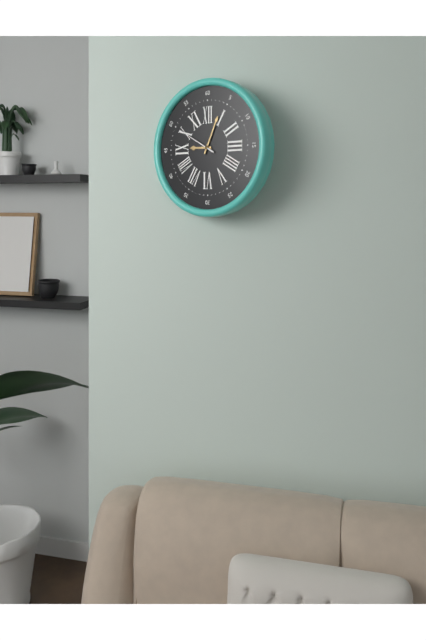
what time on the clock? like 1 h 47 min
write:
9 h 04 min
